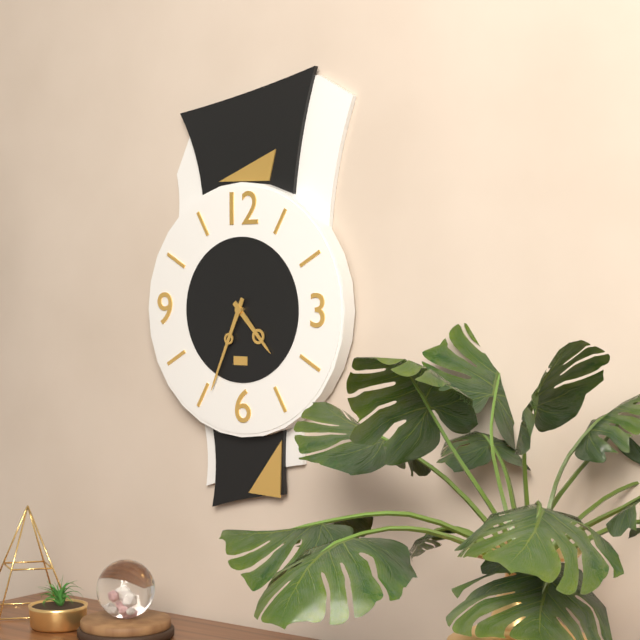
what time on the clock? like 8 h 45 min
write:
4 h 34 min
